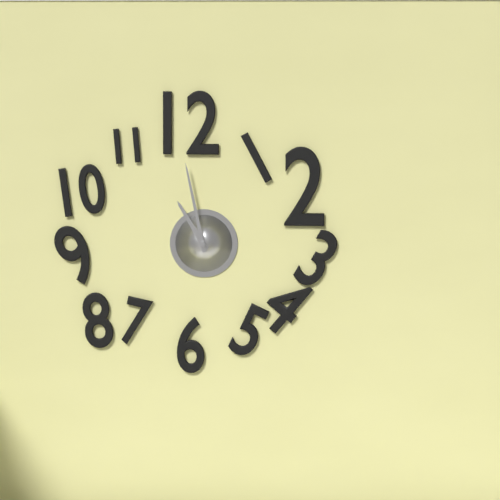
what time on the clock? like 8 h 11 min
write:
10 h 58 min
